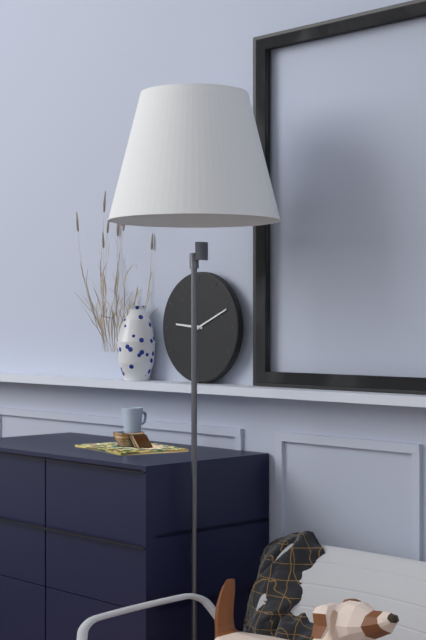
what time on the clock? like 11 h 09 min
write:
9 h 11 min
